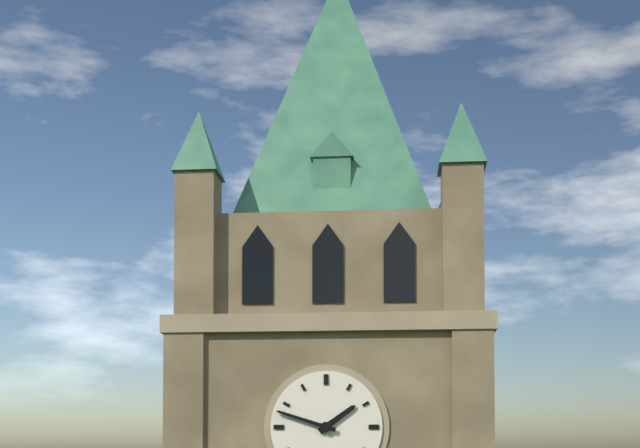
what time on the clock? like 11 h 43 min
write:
1 h 48 min
